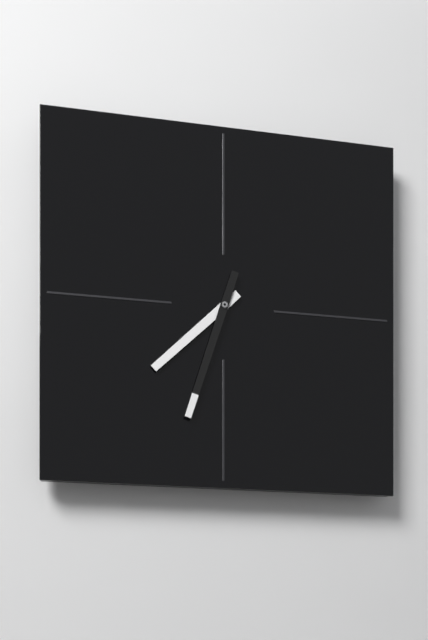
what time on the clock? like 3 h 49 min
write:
7 h 33 min
